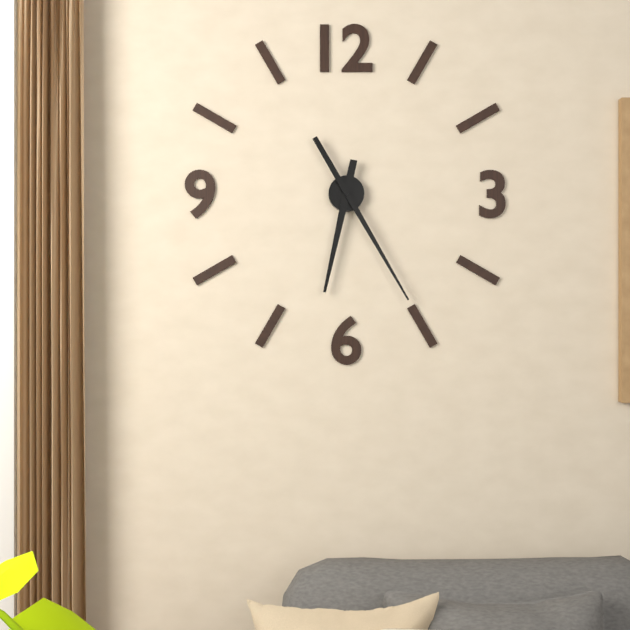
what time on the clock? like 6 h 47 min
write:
6 h 25 min
